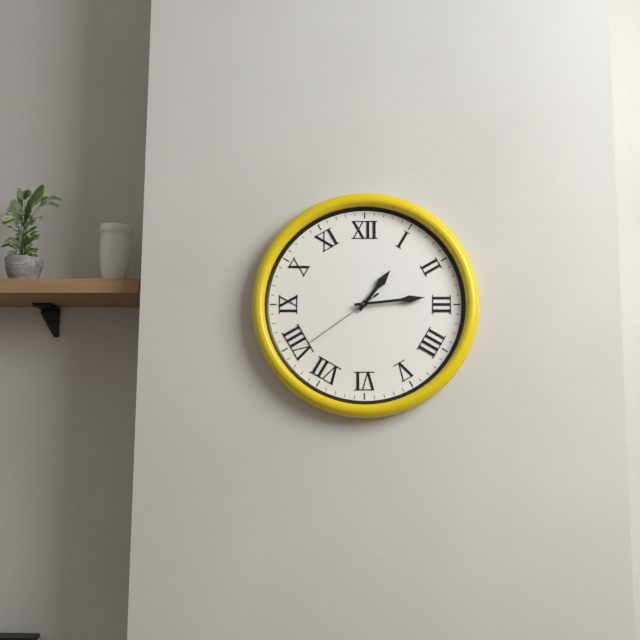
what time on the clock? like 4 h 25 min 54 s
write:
1 h 14 min 39 s
